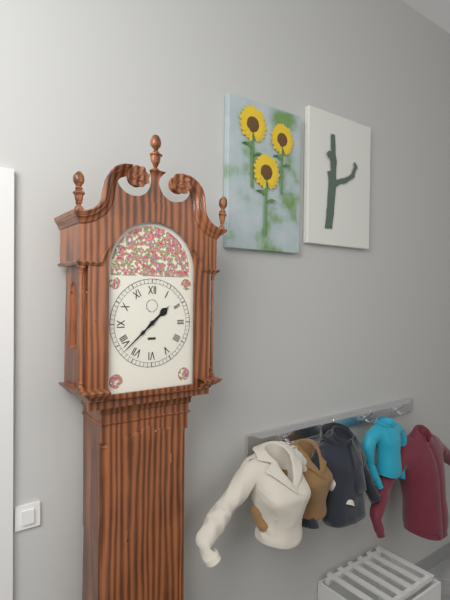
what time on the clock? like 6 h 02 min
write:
1 h 38 min
